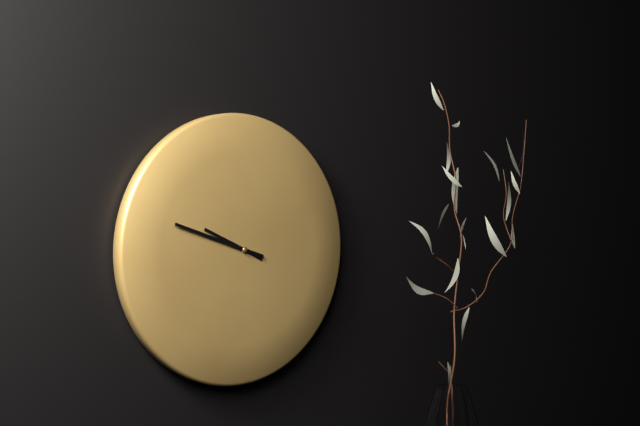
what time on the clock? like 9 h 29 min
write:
9 h 48 min
